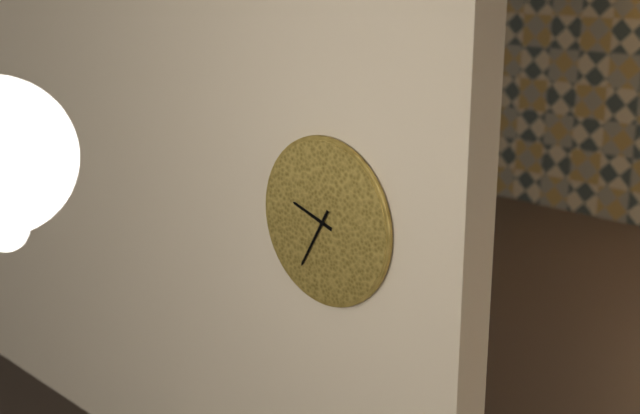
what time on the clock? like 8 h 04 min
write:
9 h 35 min
